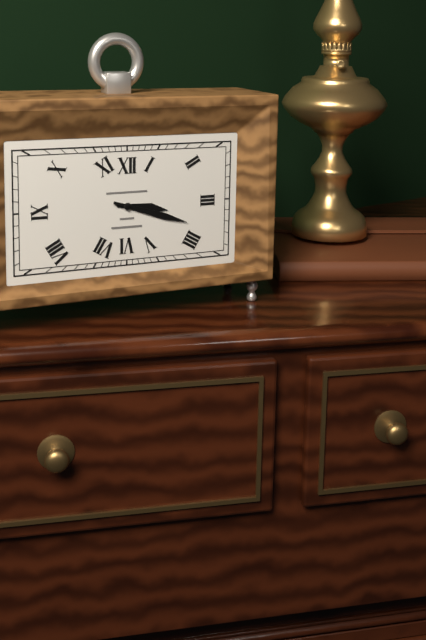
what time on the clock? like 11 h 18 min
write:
3 h 18 min
